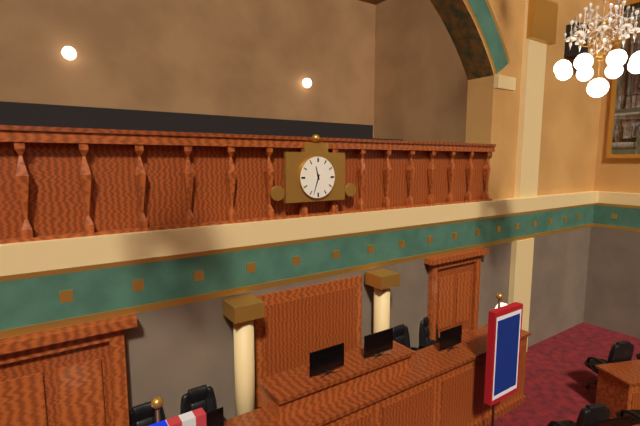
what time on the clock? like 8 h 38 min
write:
11 h 33 min
